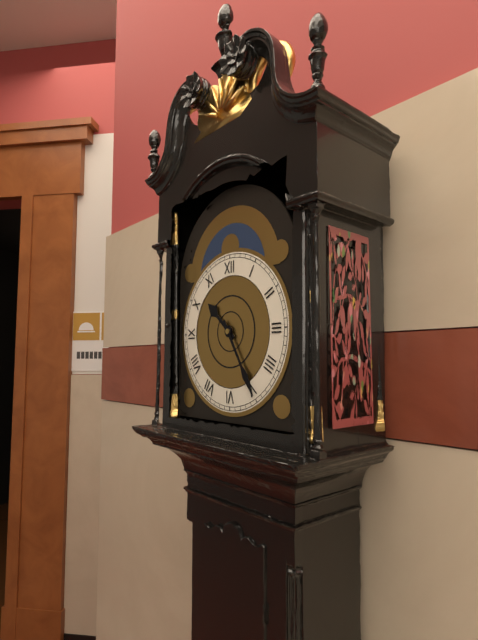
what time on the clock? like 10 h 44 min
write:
10 h 25 min
